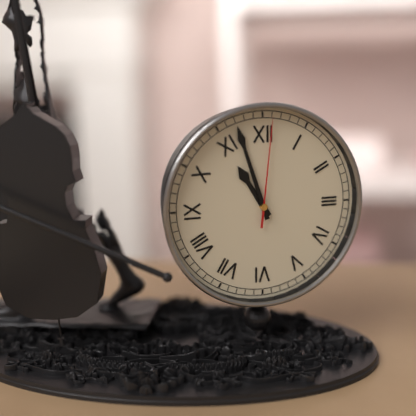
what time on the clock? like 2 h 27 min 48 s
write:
10 h 57 min 01 s
